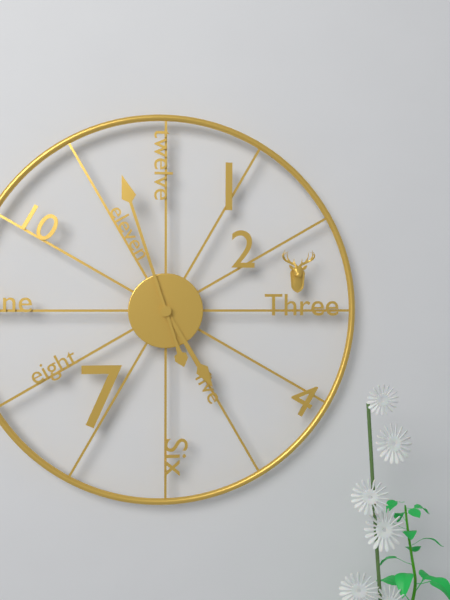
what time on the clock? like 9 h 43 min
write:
4 h 57 min
